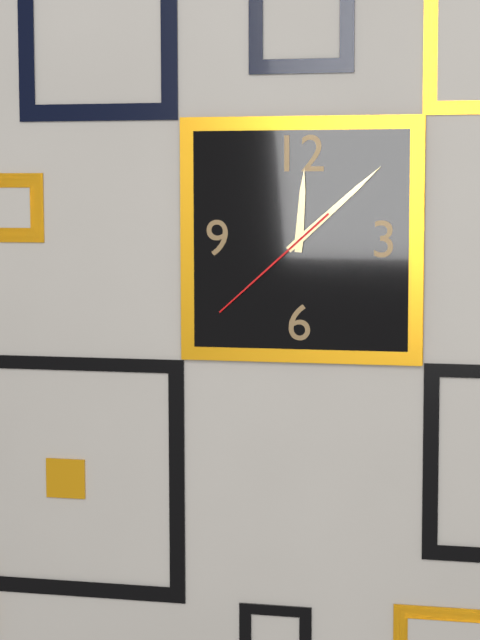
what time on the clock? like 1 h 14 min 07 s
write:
12 h 08 min 38 s
